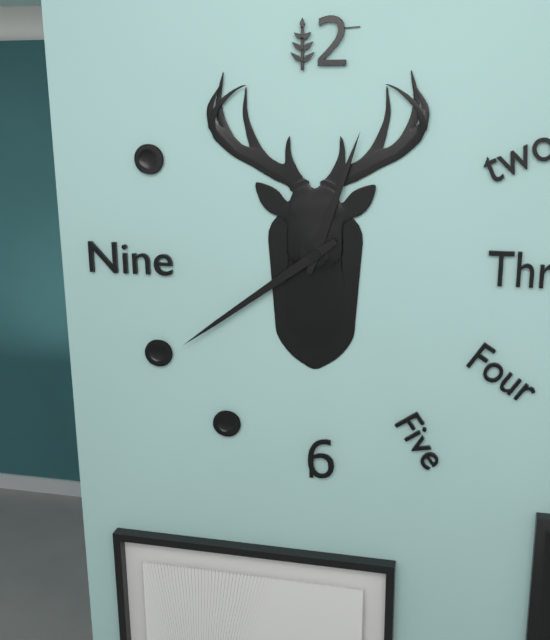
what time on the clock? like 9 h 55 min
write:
12 h 39 min
